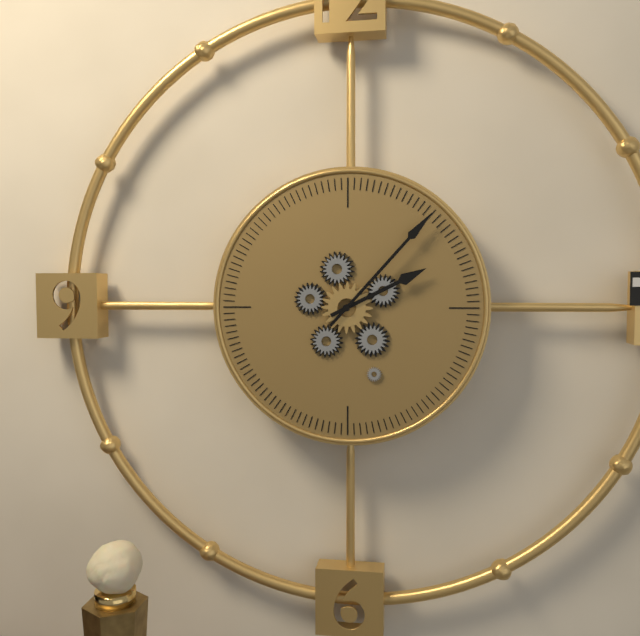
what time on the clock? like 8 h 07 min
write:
2 h 07 min
